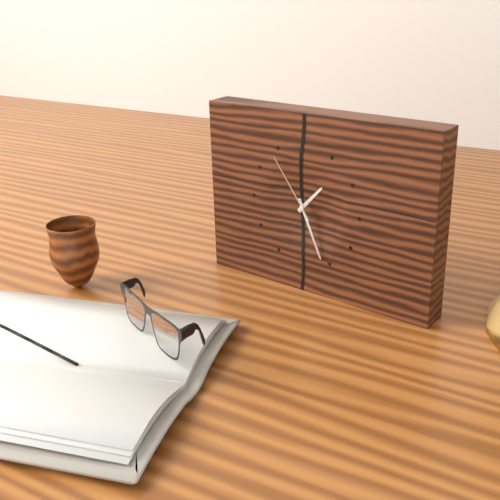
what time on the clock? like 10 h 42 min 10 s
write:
1 h 26 min 54 s
